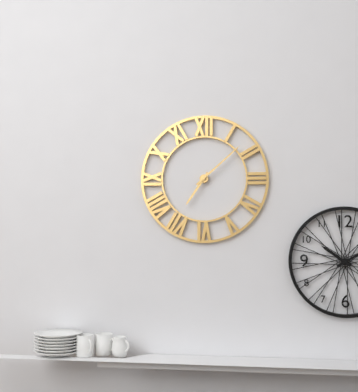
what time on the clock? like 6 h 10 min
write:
7 h 08 min
